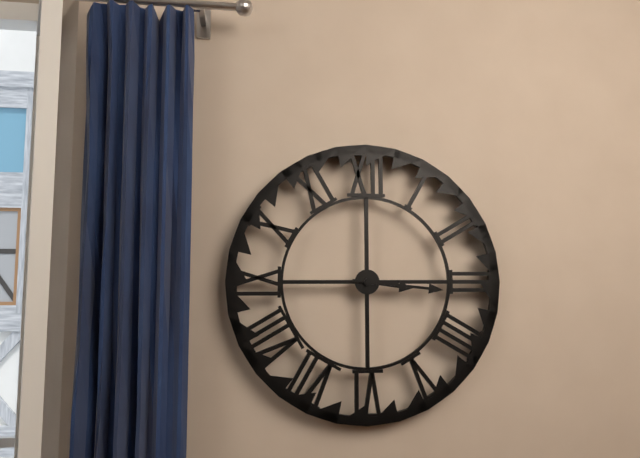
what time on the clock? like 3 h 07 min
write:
3 h 16 min
